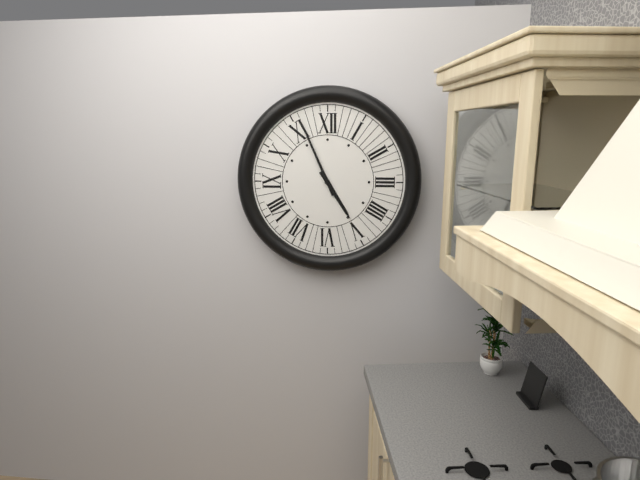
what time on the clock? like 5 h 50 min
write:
4 h 56 min
